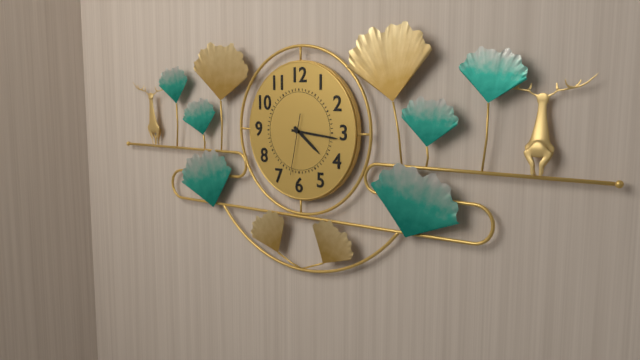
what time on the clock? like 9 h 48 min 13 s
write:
4 h 16 min 32 s
